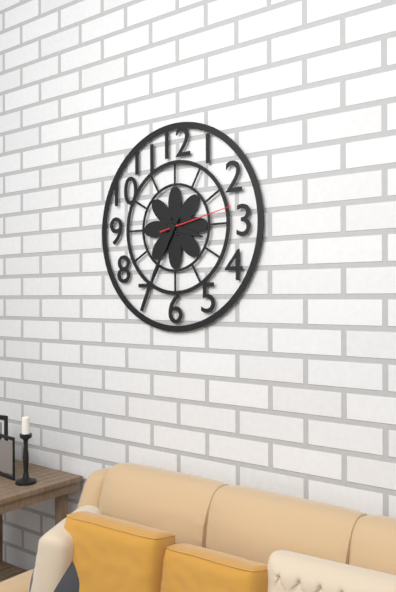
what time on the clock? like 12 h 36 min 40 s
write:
3 h 35 min 13 s
